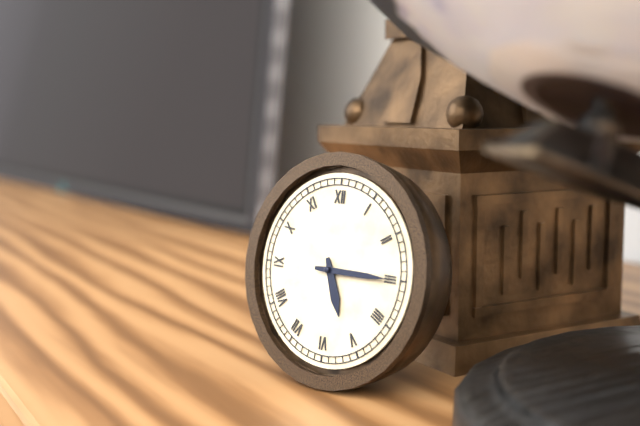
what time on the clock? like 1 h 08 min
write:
5 h 15 min
